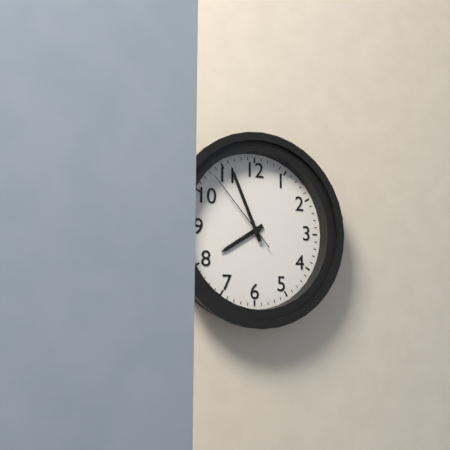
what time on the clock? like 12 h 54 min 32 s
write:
7 h 56 min 53 s
